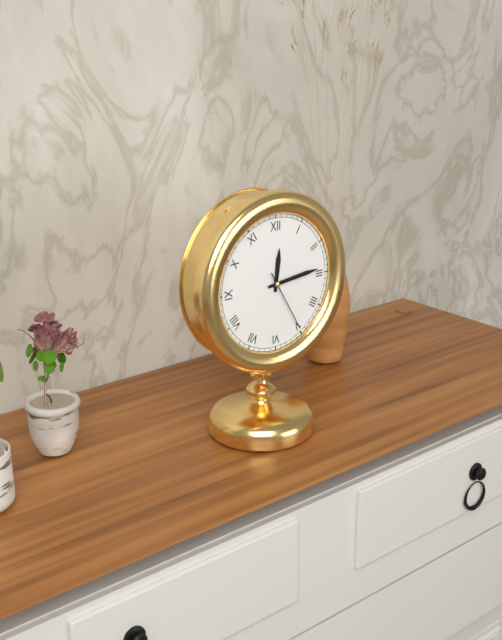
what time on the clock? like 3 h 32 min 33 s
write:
12 h 14 min 25 s
